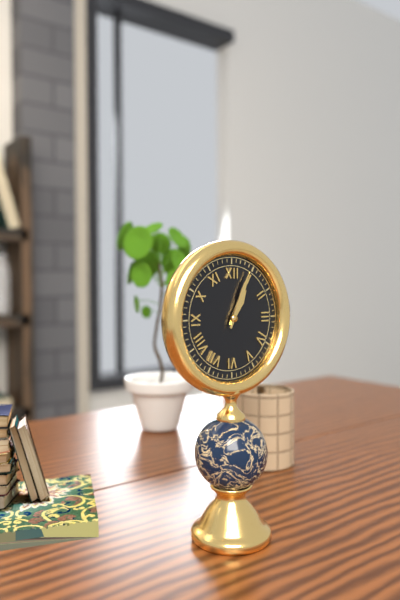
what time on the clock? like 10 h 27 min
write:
1 h 04 min
